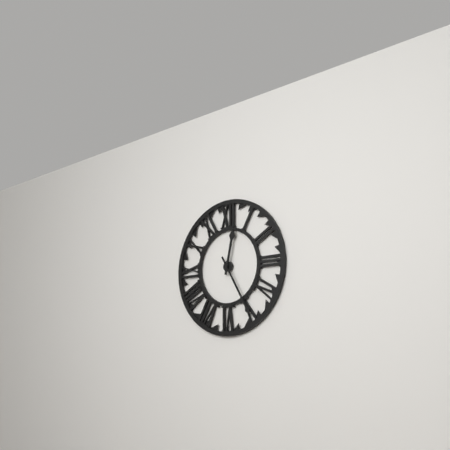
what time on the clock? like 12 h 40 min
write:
12 h 25 min
